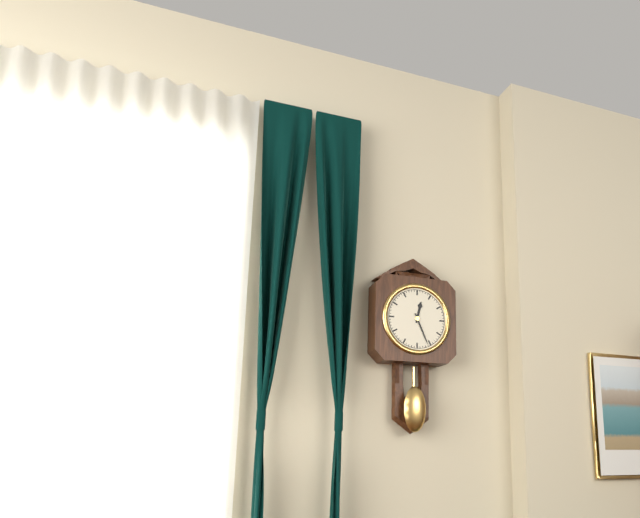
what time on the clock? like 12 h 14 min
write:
12 h 26 min
